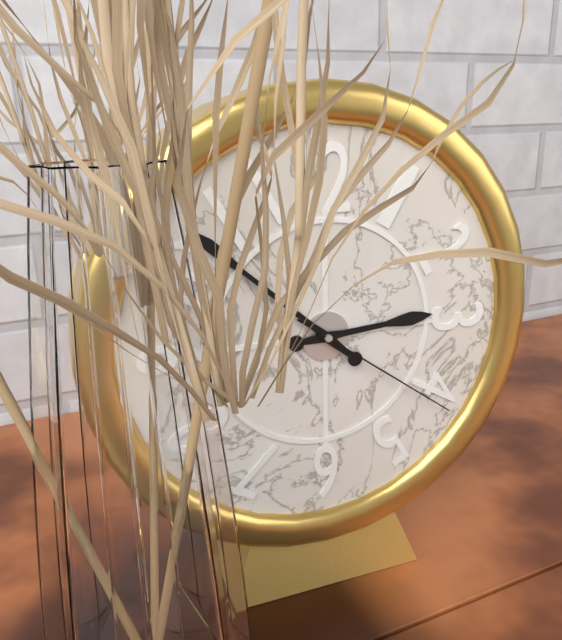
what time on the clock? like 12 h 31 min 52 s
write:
2 h 52 min 21 s
